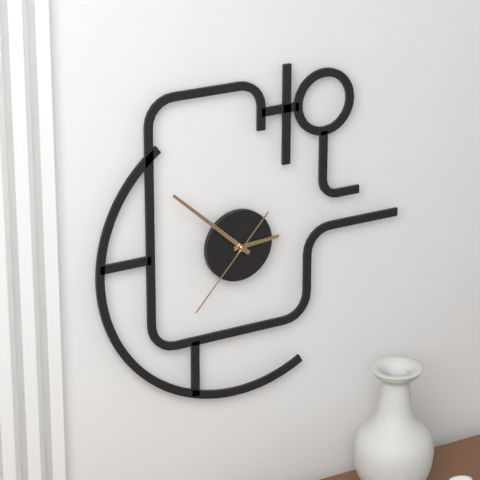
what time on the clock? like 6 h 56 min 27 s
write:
2 h 52 min 37 s
